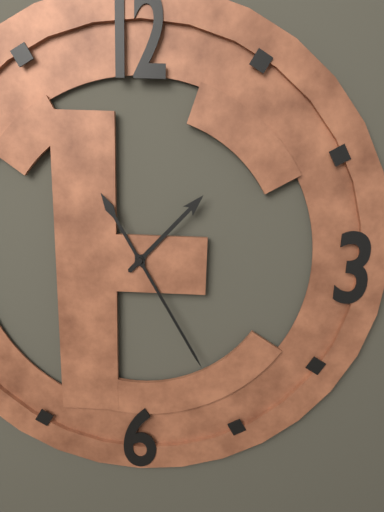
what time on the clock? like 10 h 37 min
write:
1 h 25 min
